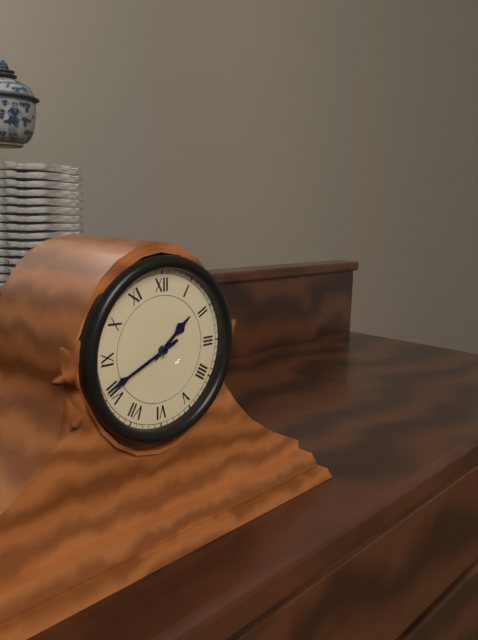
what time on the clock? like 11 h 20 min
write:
1 h 41 min
